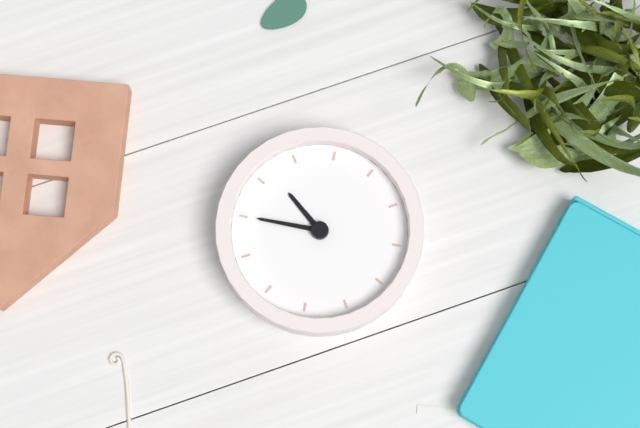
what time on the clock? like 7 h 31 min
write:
5 h 20 min
